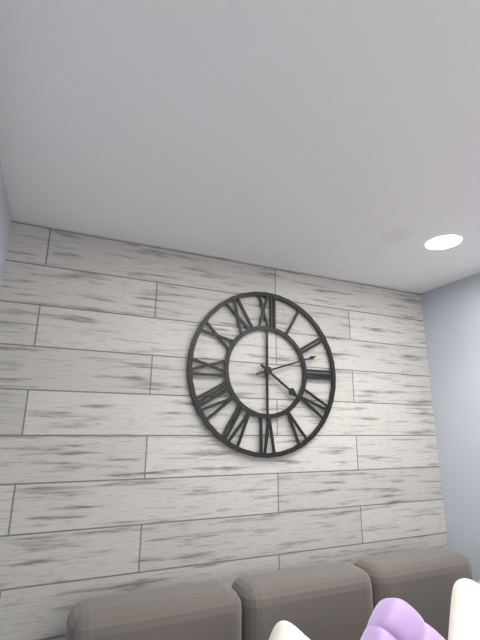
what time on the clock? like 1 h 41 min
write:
4 h 12 min
